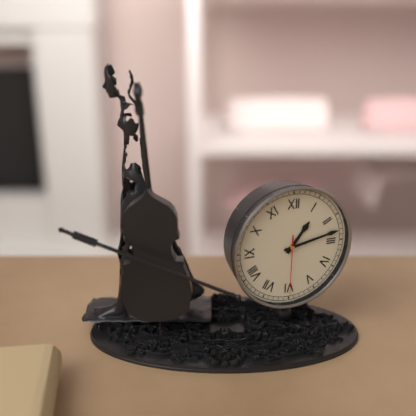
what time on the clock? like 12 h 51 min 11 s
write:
1 h 13 min 30 s
